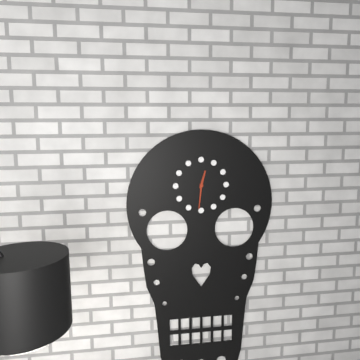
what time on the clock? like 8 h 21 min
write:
12 h 31 min
